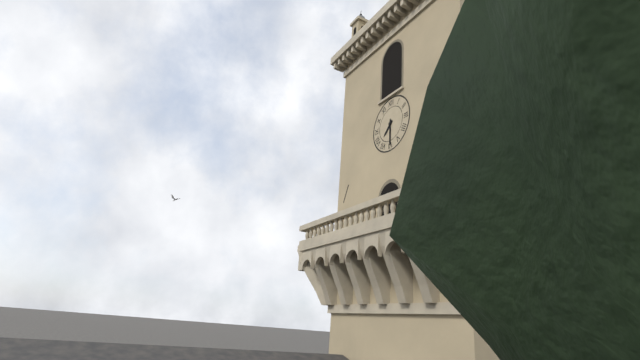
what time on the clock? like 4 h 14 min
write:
7 h 30 min
